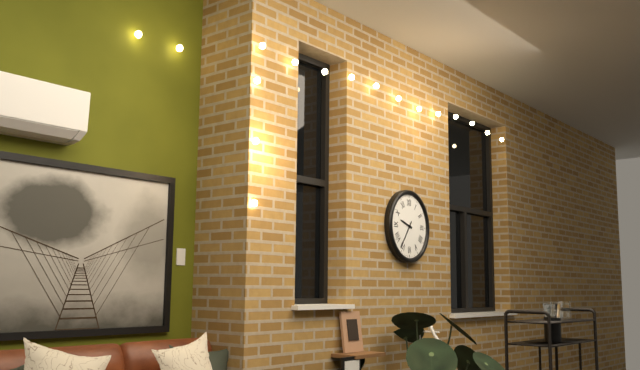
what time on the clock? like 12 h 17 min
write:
9 h 36 min
